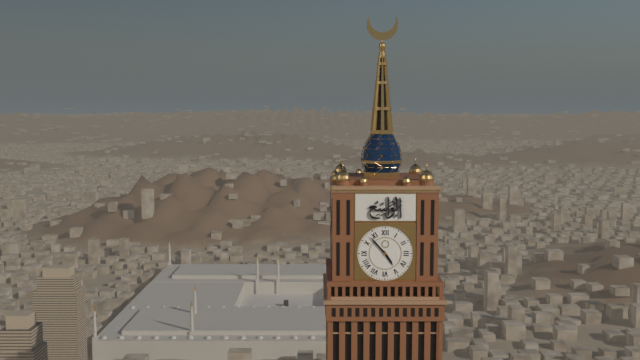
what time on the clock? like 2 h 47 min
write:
4 h 53 min
